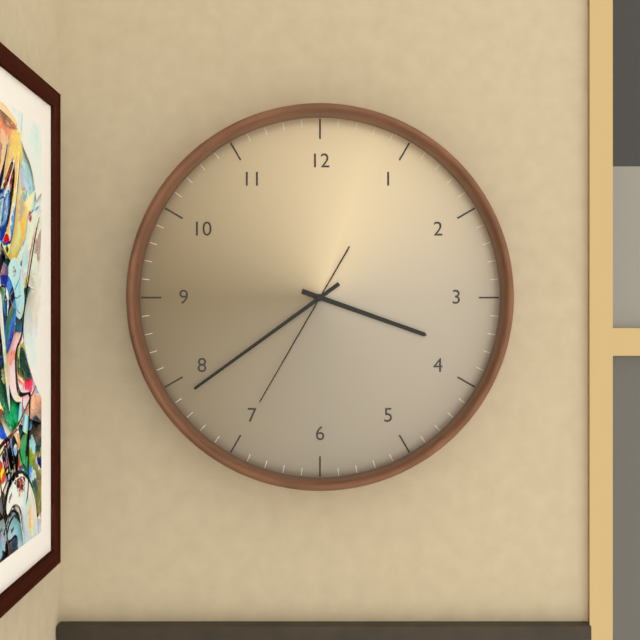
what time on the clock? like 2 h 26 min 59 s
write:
3 h 39 min 35 s
